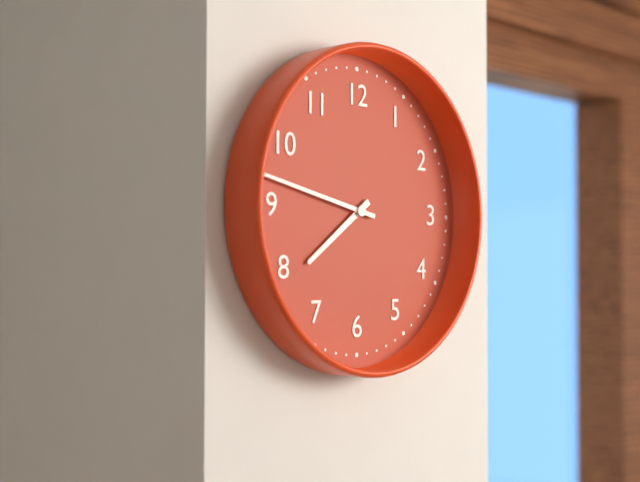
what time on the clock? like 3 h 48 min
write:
7 h 47 min
